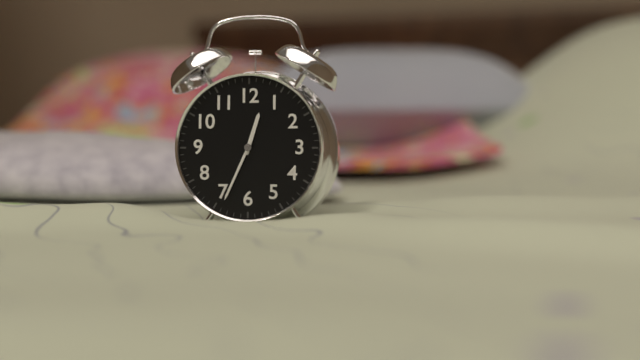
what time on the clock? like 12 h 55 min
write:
12 h 34 min
